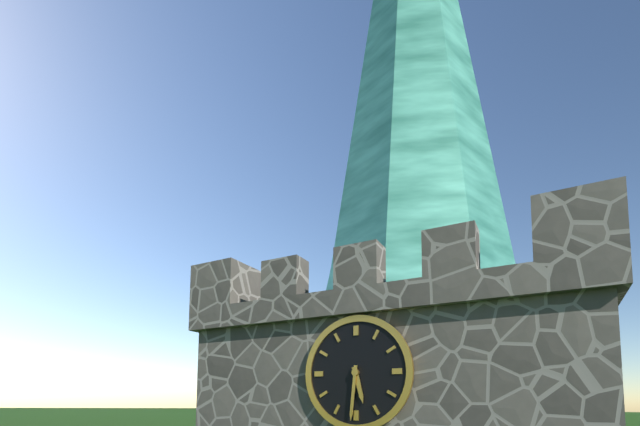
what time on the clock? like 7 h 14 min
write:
5 h 31 min
